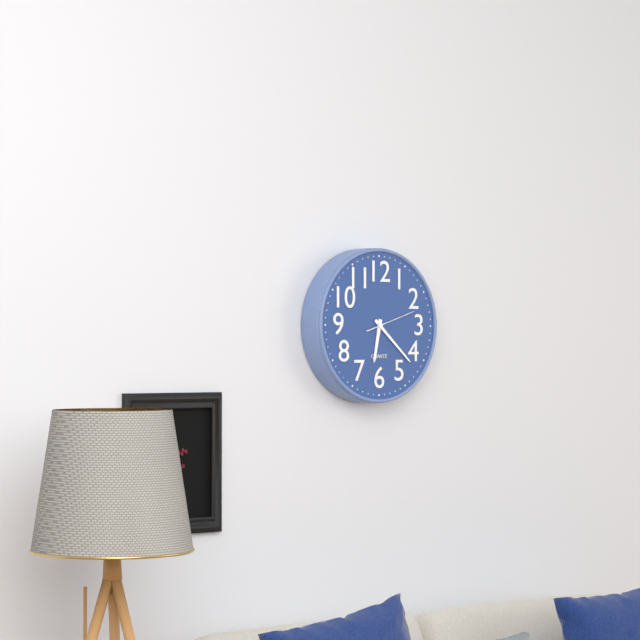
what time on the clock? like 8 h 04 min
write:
6 h 22 min
